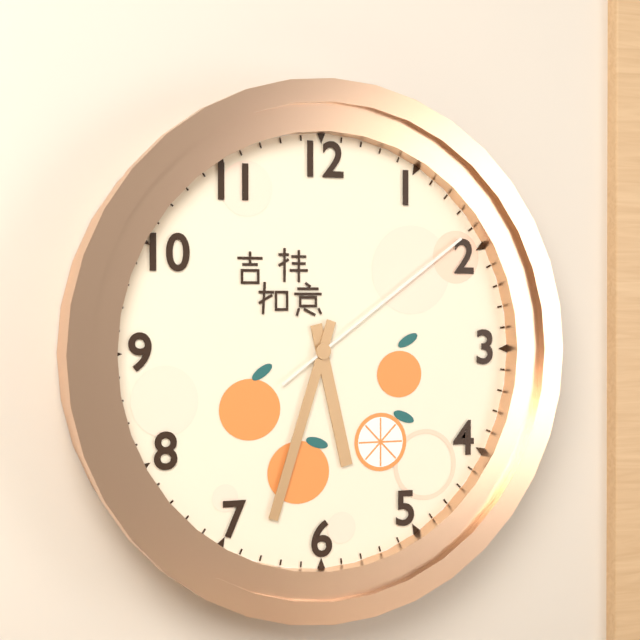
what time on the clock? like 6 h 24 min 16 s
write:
5 h 33 min 09 s
